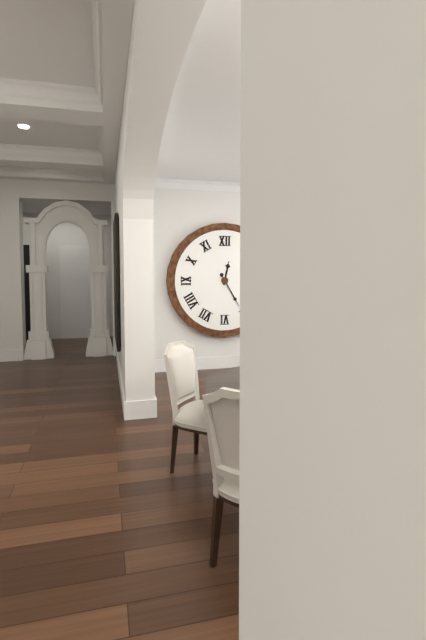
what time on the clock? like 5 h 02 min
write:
12 h 25 min
